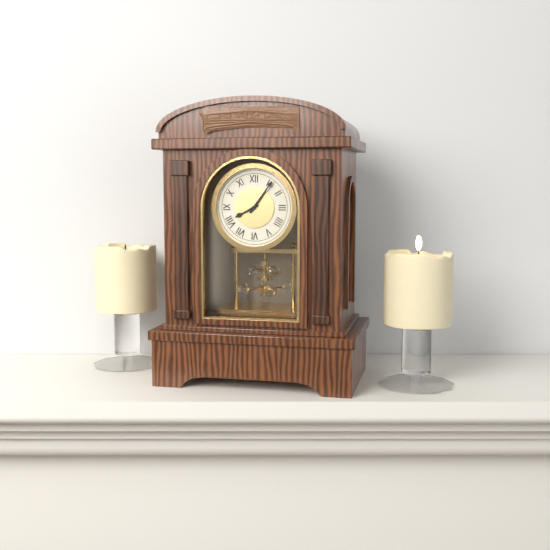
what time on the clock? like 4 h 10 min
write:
8 h 06 min
